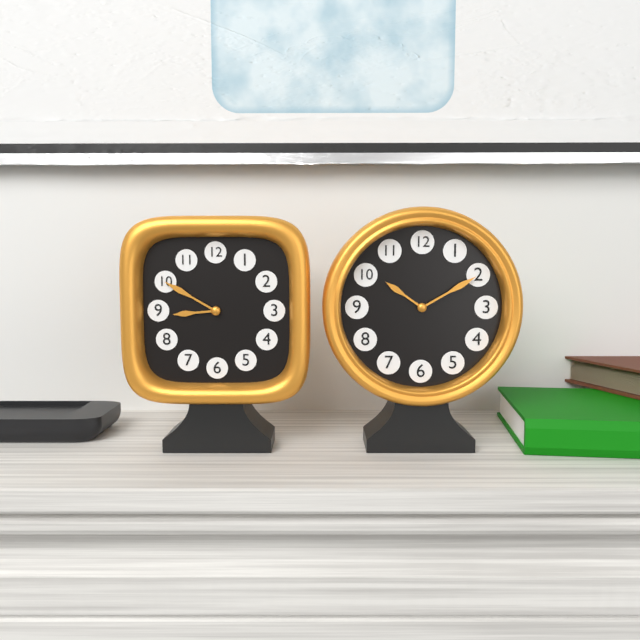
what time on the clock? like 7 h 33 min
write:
8 h 50 min
